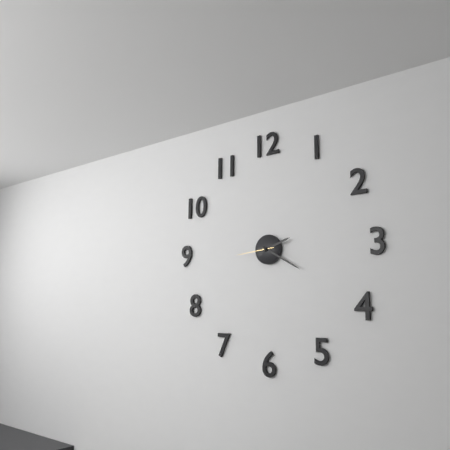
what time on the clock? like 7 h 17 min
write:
2 h 20 min
